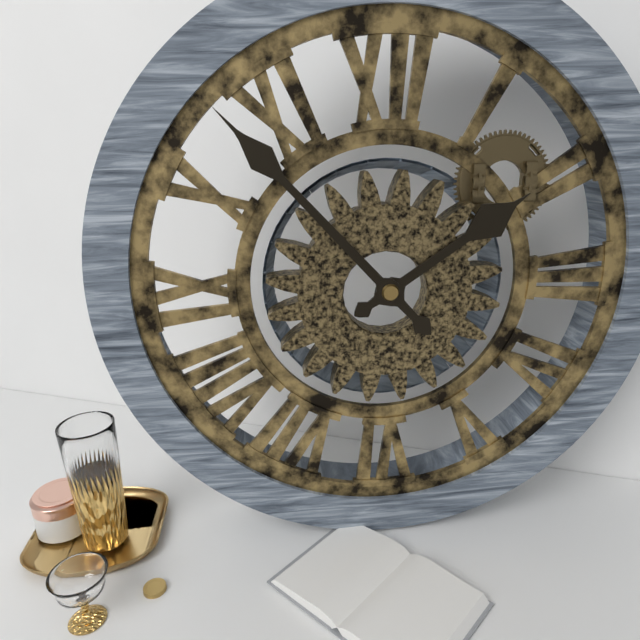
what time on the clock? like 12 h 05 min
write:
1 h 53 min
